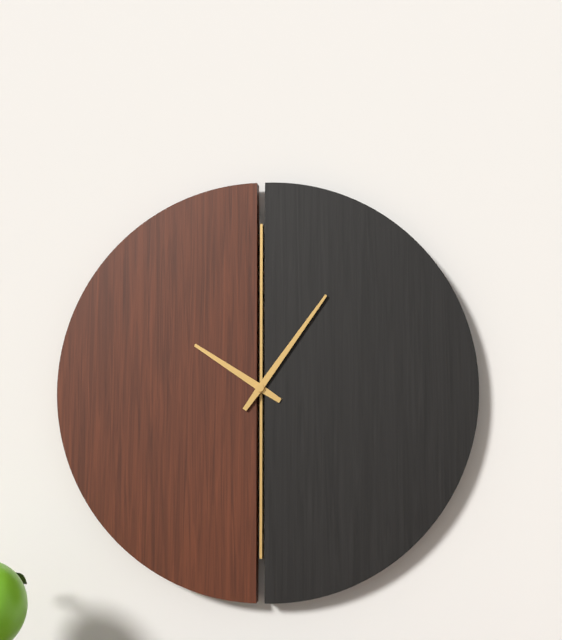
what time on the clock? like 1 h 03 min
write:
10 h 06 min
